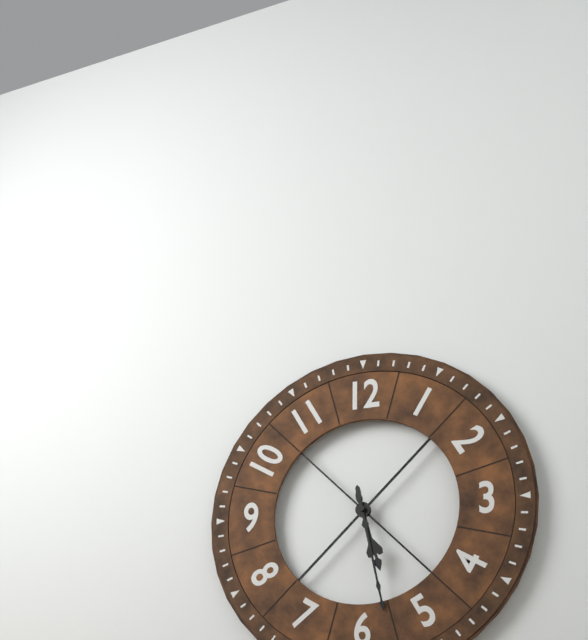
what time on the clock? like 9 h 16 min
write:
5 h 28 min
